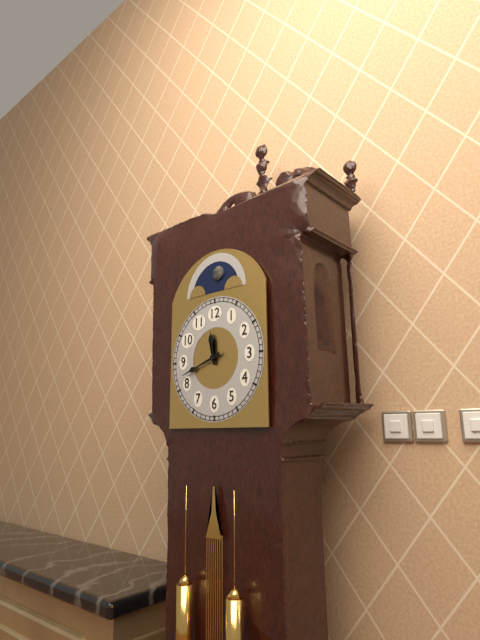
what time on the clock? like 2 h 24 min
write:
11 h 42 min
